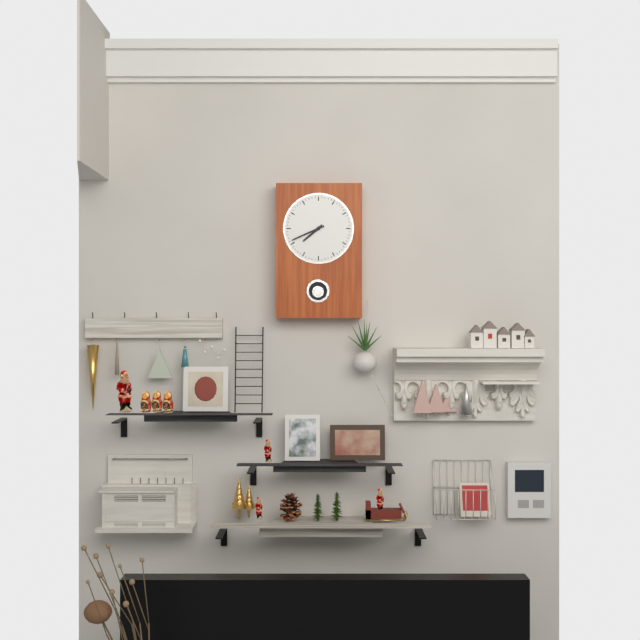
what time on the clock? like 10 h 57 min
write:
7 h 41 min
